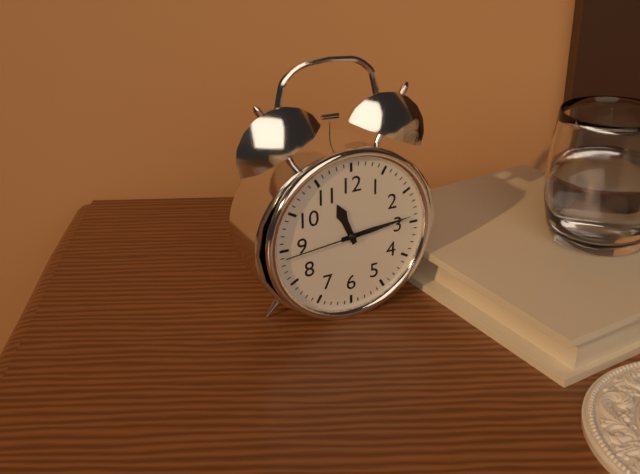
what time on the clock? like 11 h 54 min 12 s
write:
11 h 14 min 44 s
